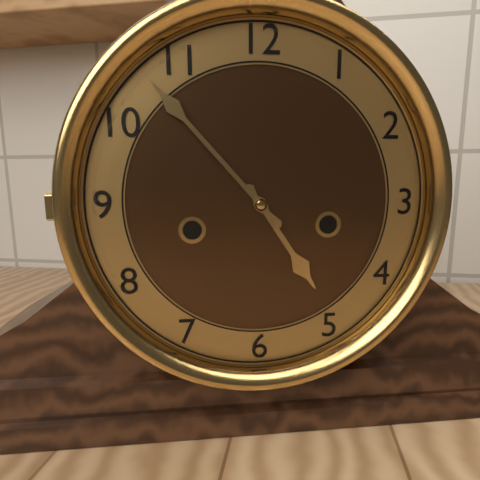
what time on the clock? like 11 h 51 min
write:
4 h 53 min
